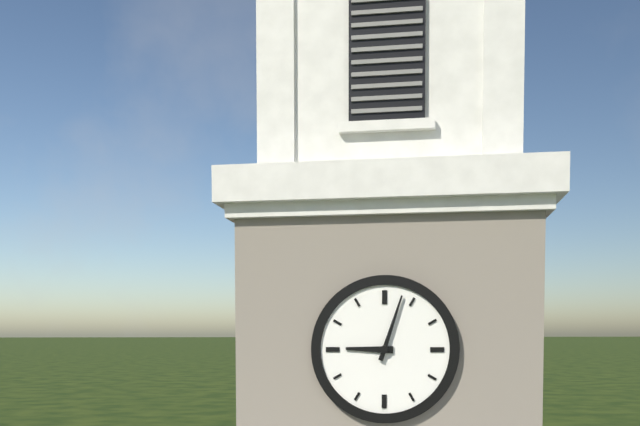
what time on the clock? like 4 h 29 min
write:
9 h 03 min
